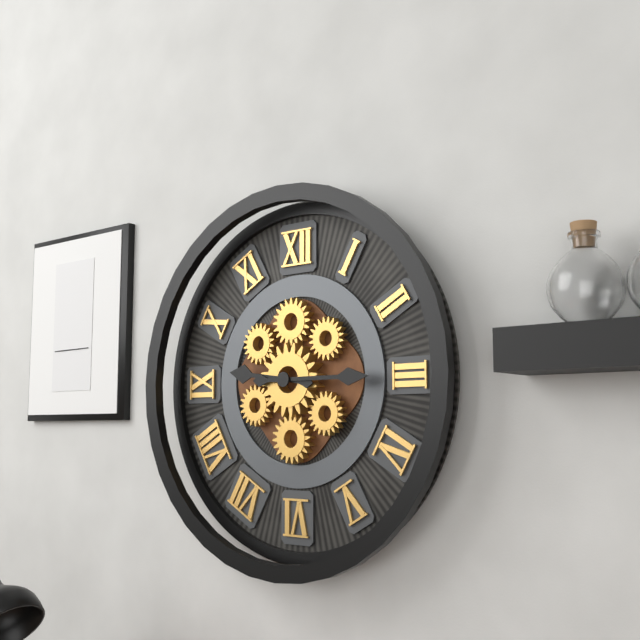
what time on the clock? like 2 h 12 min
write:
9 h 15 min
